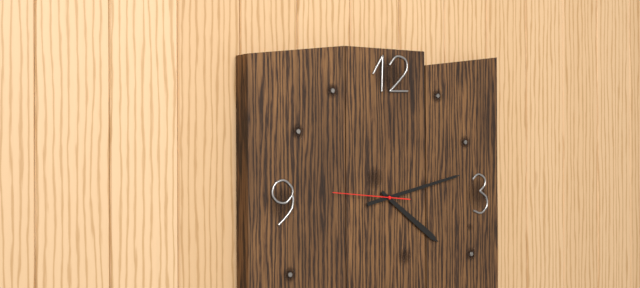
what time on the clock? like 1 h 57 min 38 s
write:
4 h 13 min 46 s
